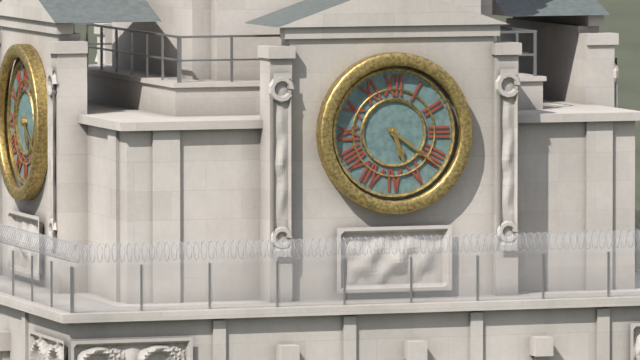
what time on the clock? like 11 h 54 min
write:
5 h 21 min
